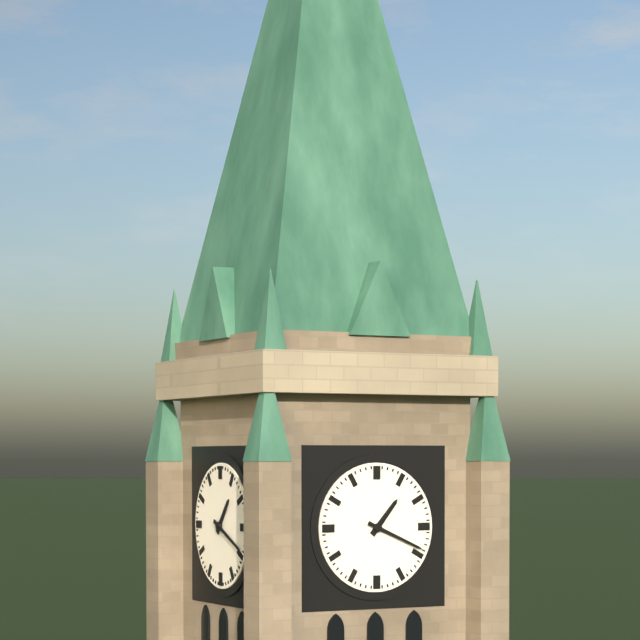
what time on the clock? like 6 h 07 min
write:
1 h 19 min
